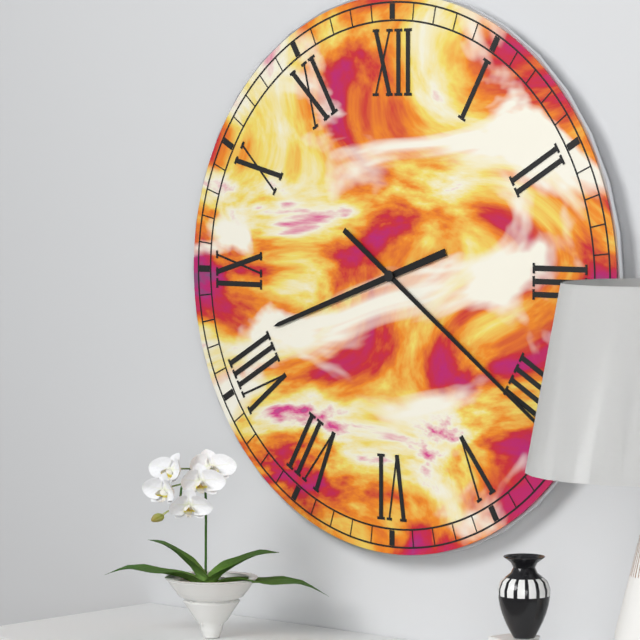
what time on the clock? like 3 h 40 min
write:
8 h 21 min
